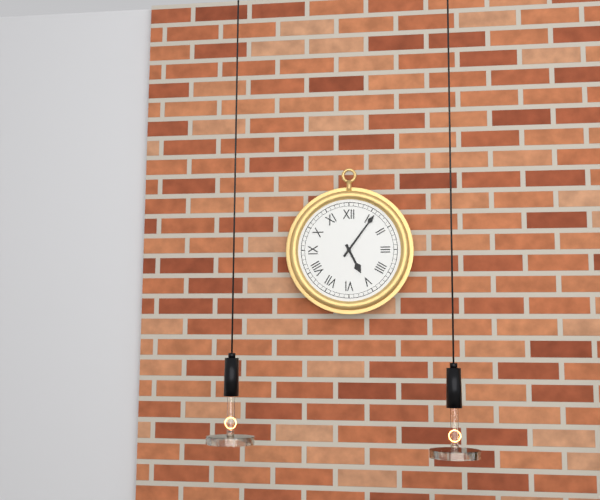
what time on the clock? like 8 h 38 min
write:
5 h 06 min
